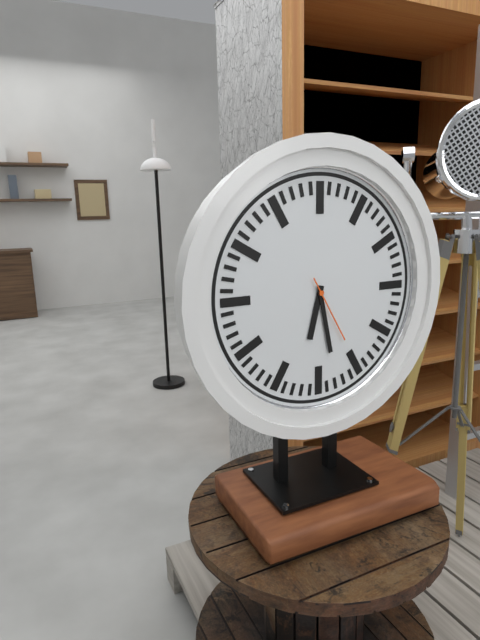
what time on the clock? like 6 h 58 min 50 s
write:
6 h 28 min 25 s
